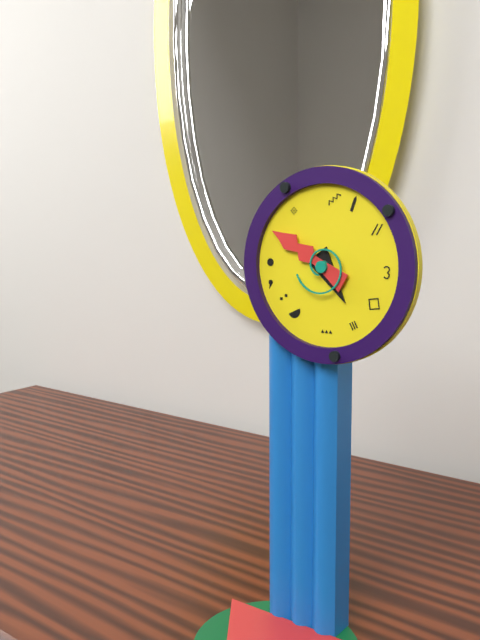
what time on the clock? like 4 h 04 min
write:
4 h 50 min
